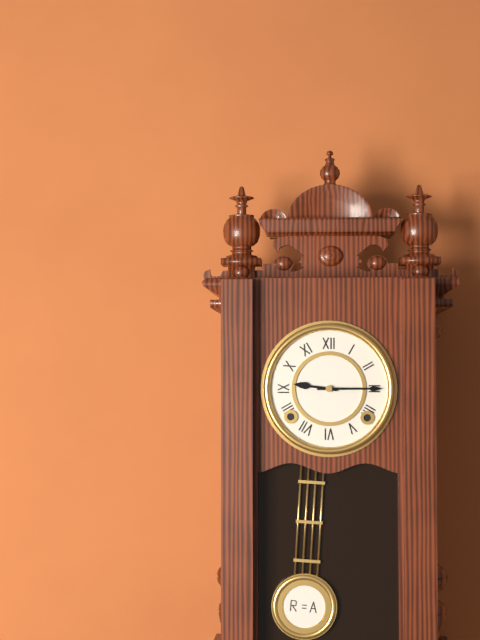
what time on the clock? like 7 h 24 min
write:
9 h 15 min
